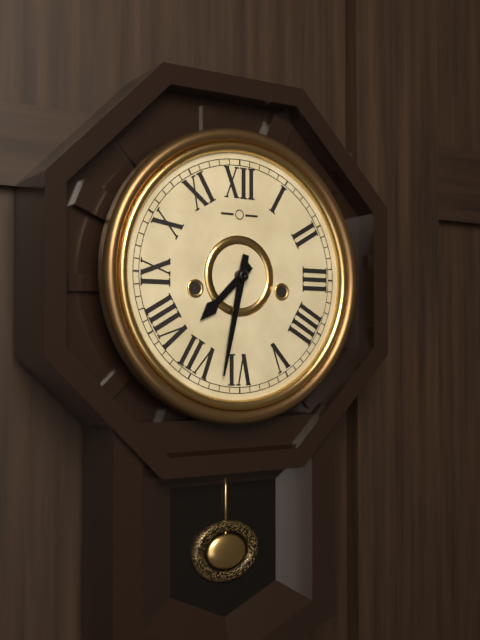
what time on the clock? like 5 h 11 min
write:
7 h 32 min
